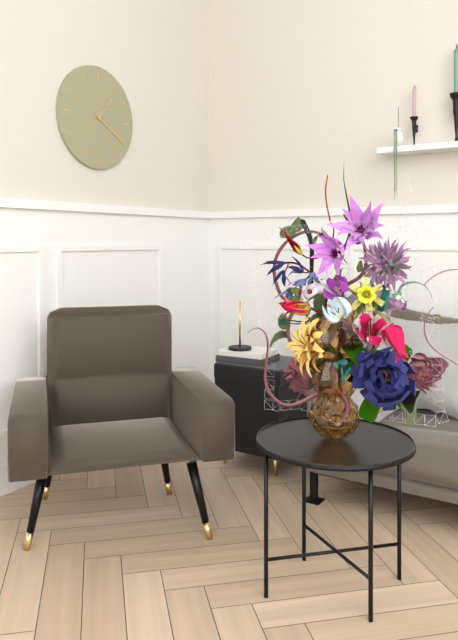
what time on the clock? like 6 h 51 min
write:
1 h 20 min
